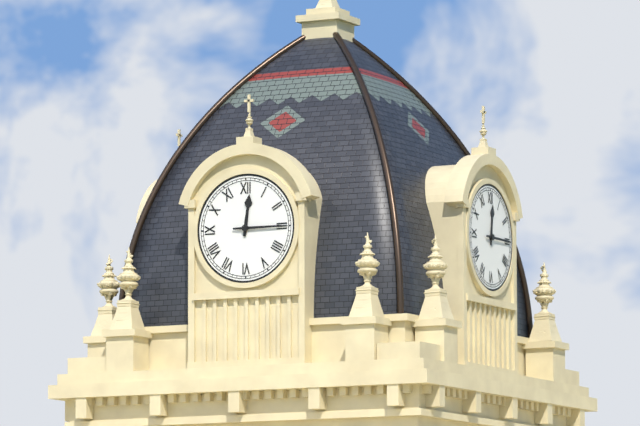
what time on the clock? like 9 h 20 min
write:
12 h 15 min
